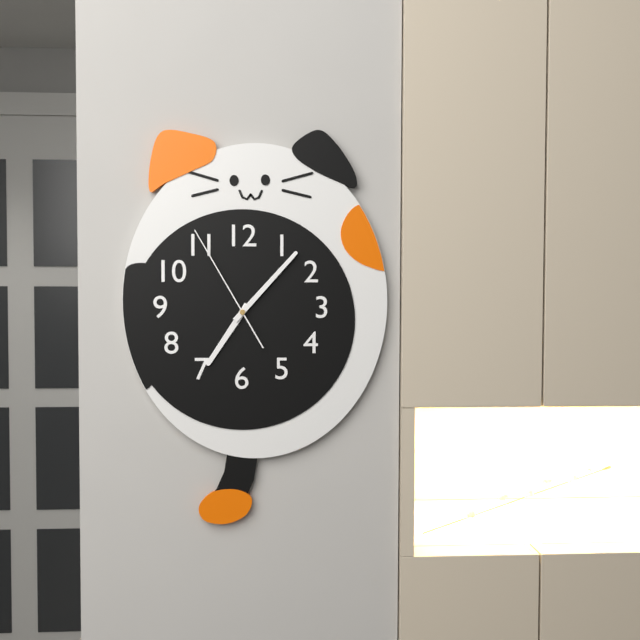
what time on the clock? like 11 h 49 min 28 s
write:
7 h 07 min 55 s
